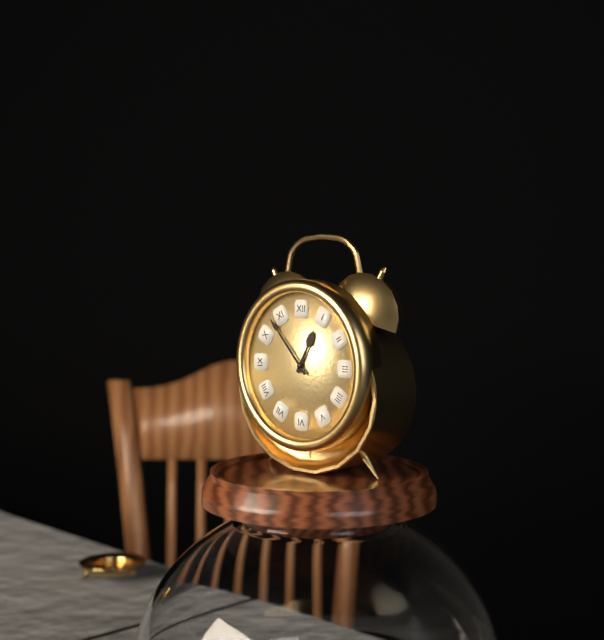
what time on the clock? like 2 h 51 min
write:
12 h 53 min
